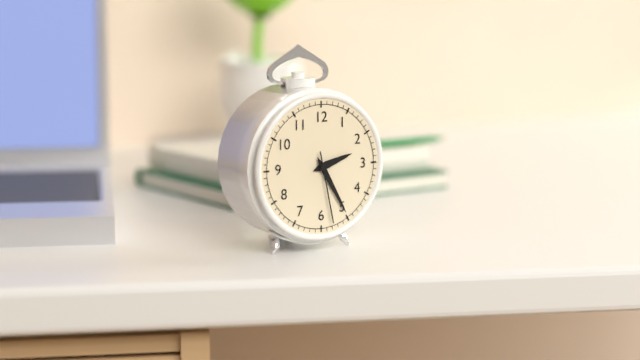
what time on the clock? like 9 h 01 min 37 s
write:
2 h 25 min 28 s
